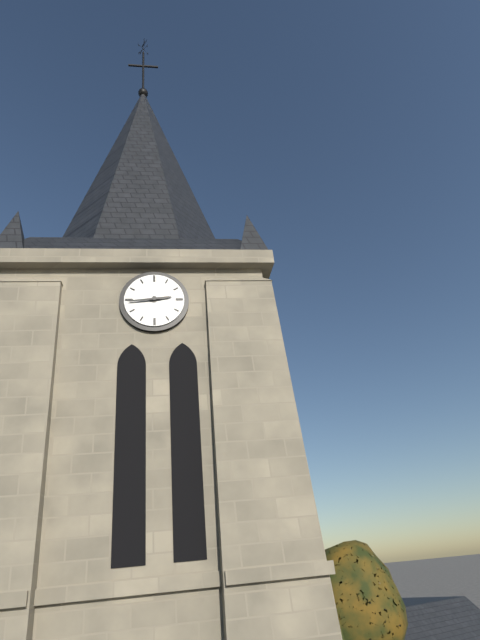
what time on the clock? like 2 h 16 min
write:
2 h 44 min
